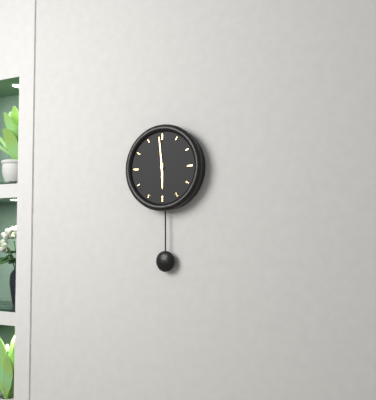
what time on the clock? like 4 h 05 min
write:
5 h 59 min
